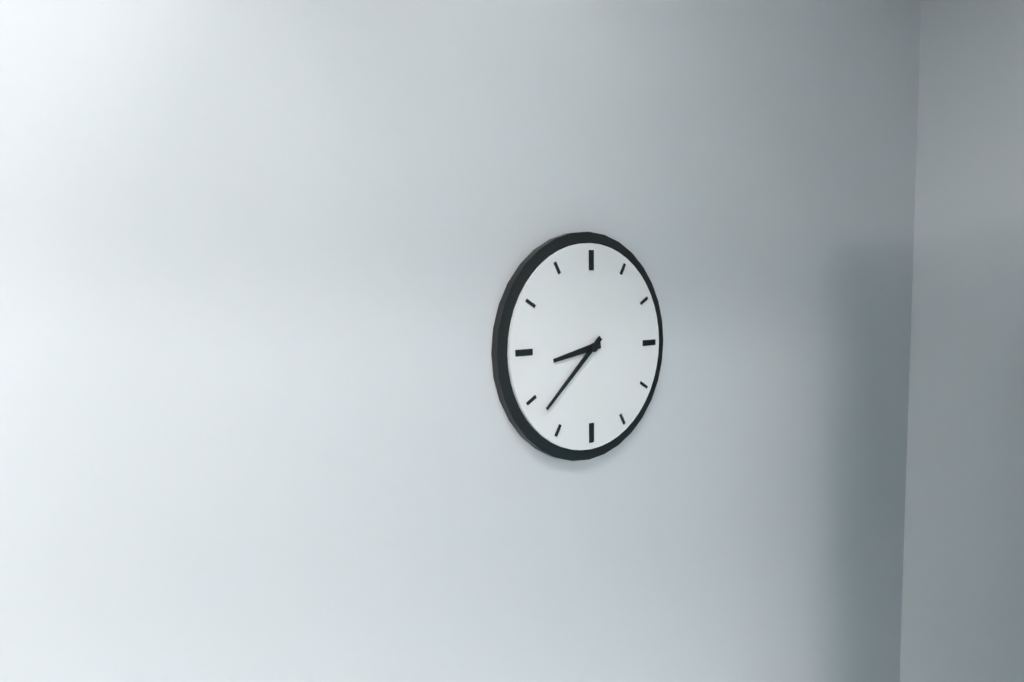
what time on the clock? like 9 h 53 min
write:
8 h 38 min
